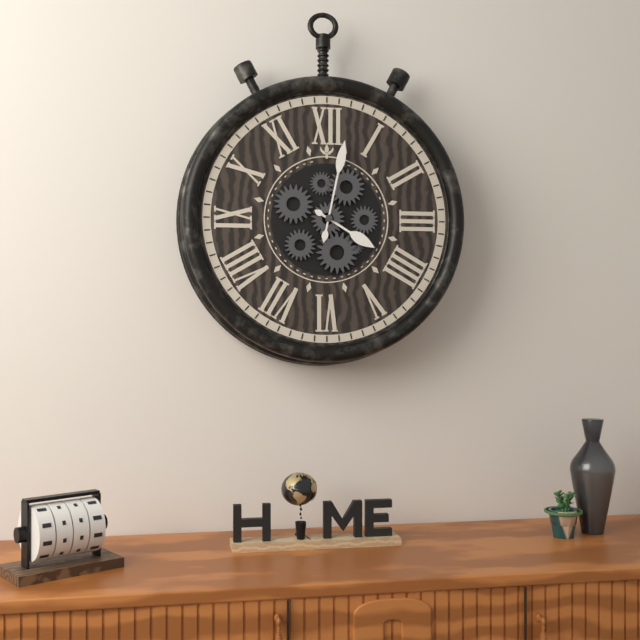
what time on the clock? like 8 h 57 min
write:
4 h 02 min
